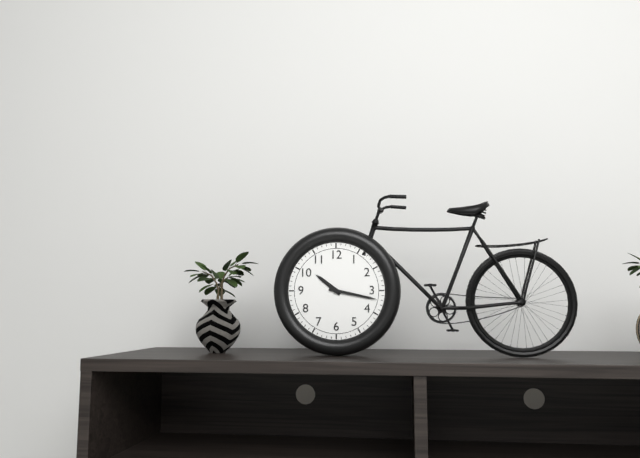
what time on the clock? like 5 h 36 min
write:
10 h 17 min
